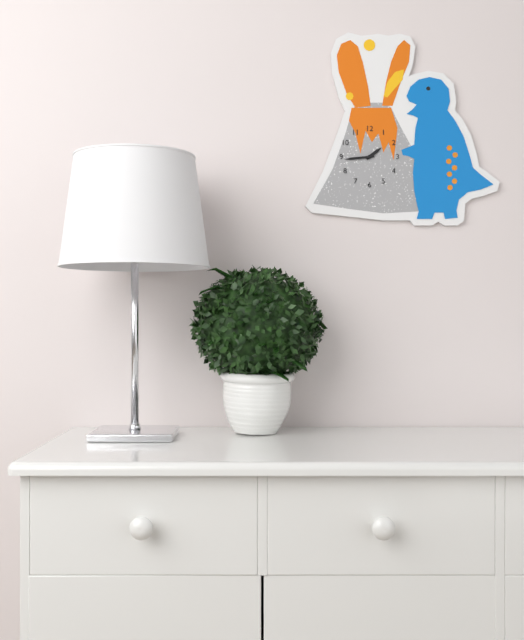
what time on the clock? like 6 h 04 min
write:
1 h 44 min
